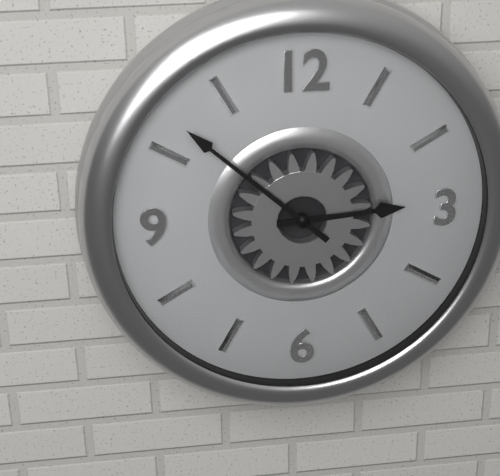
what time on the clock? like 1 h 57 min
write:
2 h 52 min
